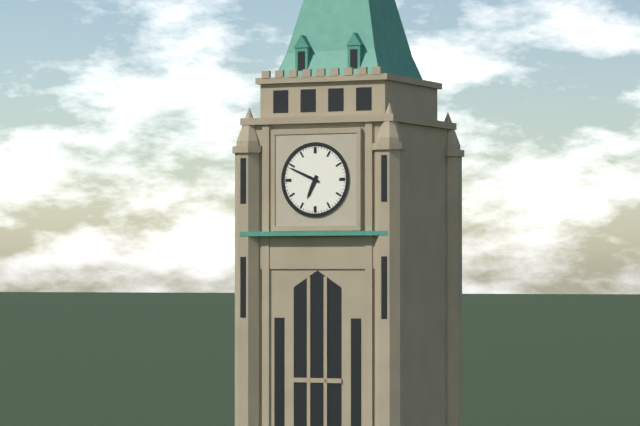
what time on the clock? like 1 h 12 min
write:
6 h 49 min
